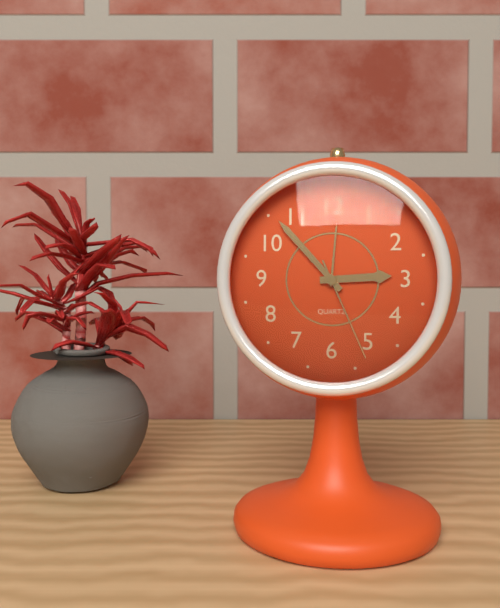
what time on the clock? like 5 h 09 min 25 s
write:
2 h 53 min 26 s
